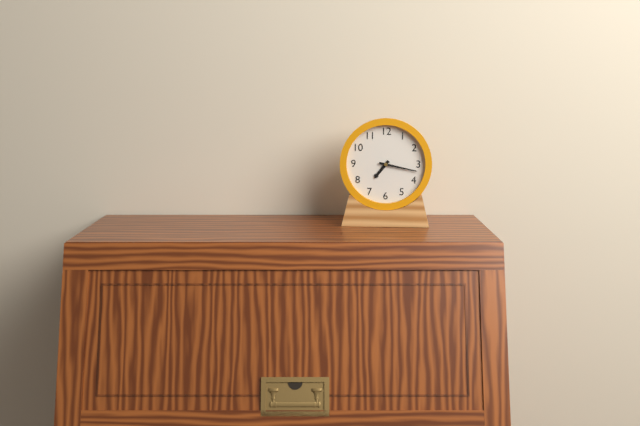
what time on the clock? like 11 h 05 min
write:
7 h 17 min
